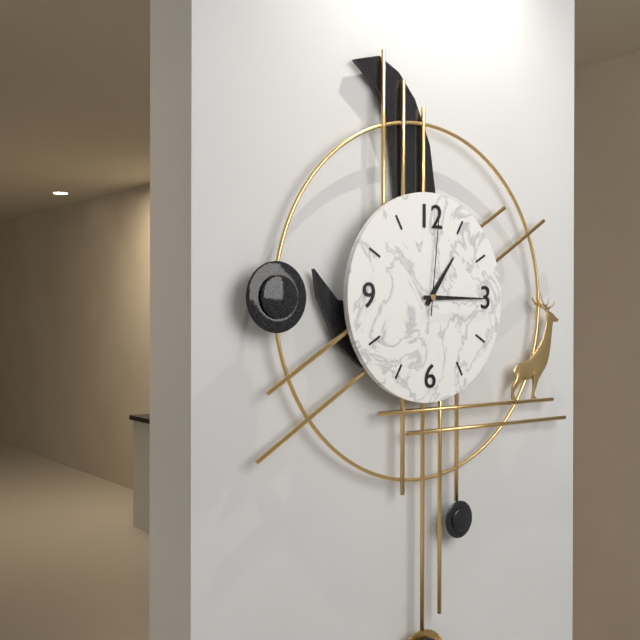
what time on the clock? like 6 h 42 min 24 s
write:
1 h 15 min 01 s
